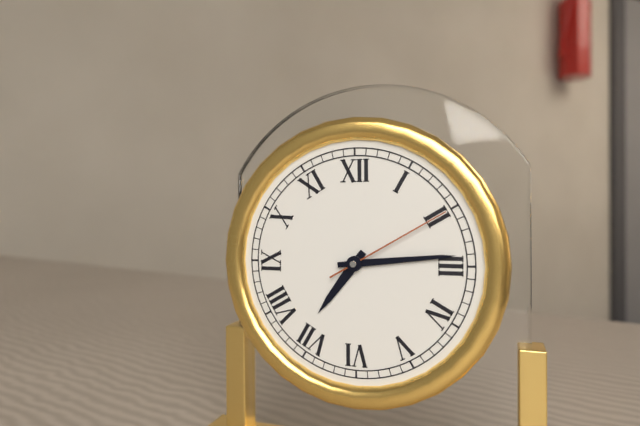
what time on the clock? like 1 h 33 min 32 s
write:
7 h 14 min 10 s
